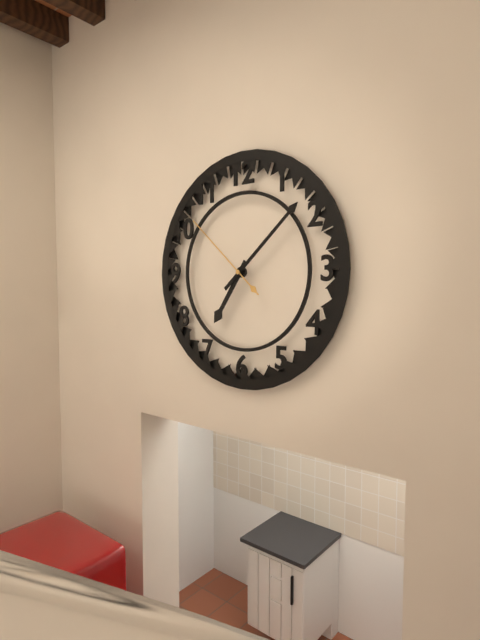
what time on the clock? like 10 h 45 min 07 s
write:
7 h 08 min 52 s
